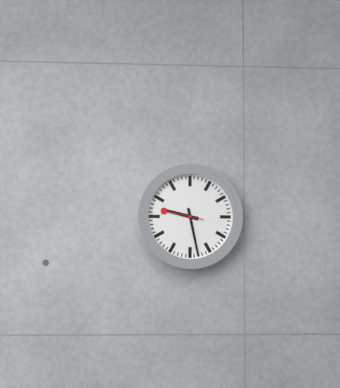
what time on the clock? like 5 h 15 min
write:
9 h 28 min
